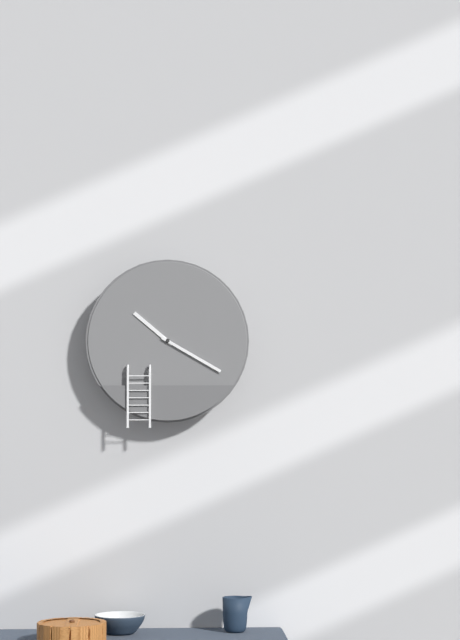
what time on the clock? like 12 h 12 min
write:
10 h 20 min
